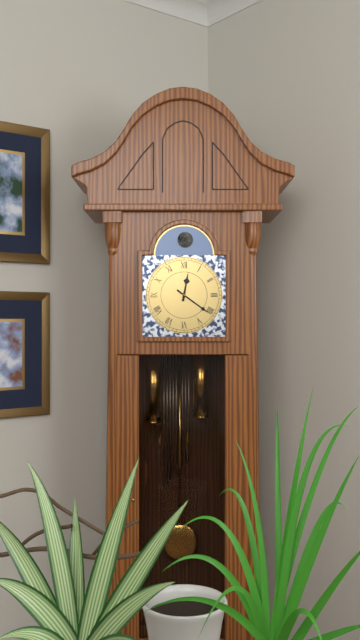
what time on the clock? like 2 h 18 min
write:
12 h 21 min
